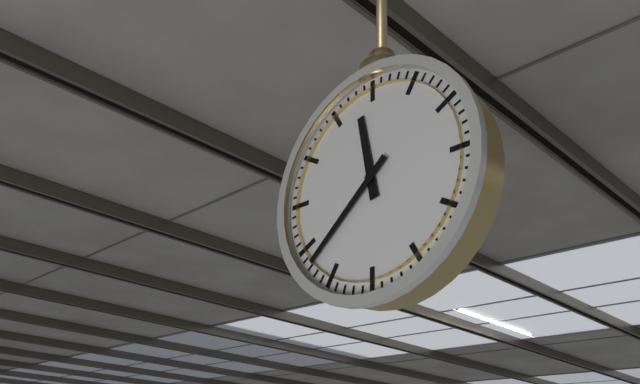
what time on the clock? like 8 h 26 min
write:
11 h 38 min
